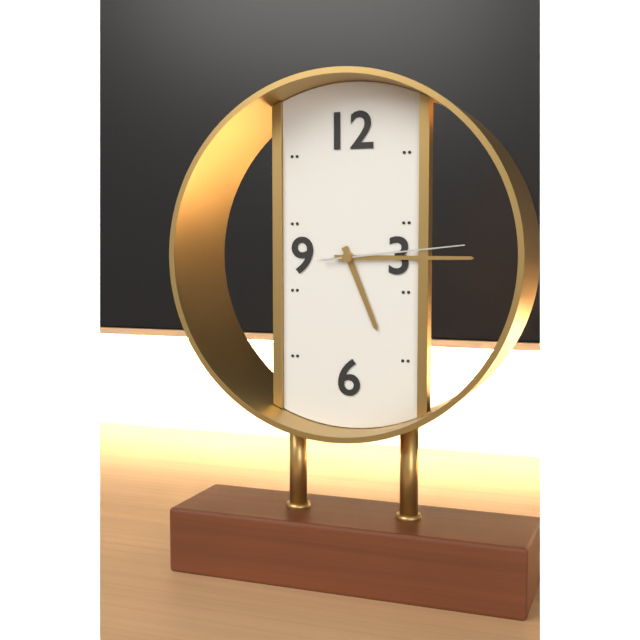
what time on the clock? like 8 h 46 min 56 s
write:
5 h 15 min 14 s
